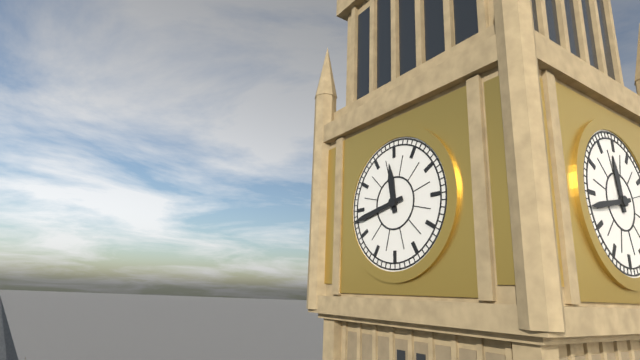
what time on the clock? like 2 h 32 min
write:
11 h 43 min
